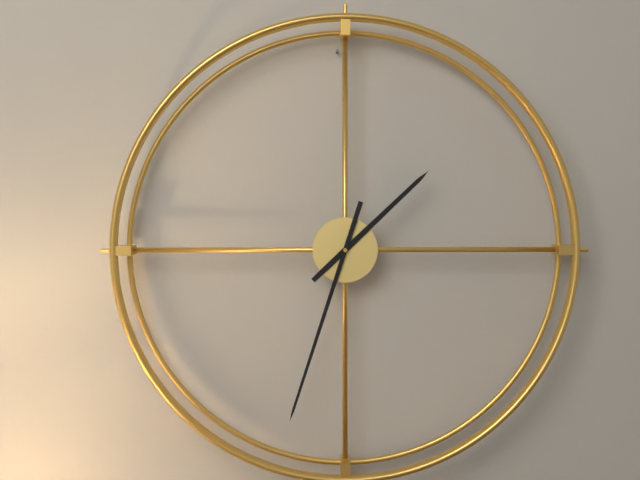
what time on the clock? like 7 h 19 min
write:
1 h 33 min
